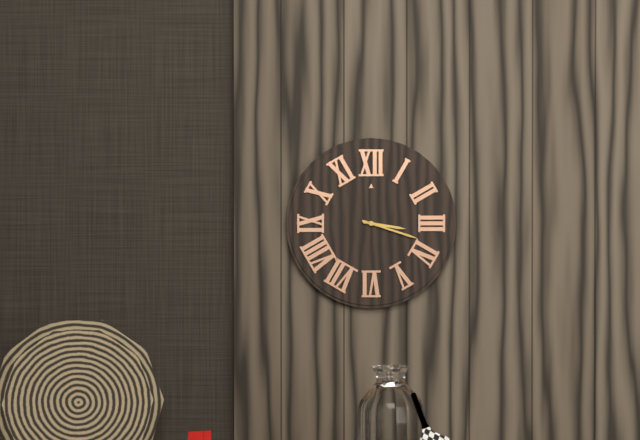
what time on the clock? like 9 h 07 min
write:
3 h 18 min
